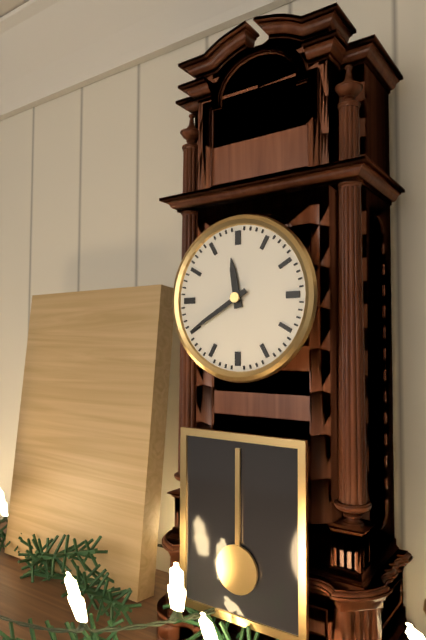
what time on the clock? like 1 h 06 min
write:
11 h 40 min
